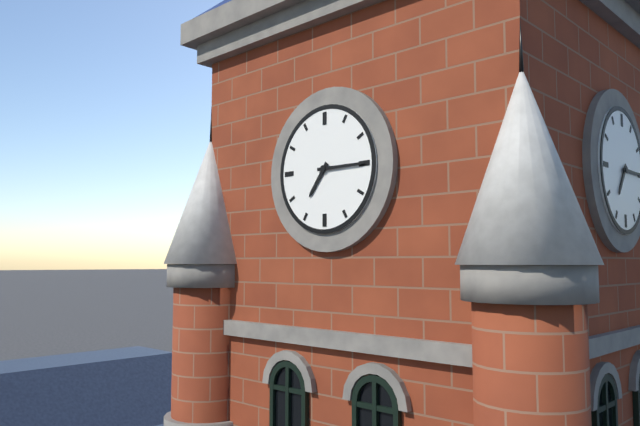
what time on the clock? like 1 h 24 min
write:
7 h 15 min
